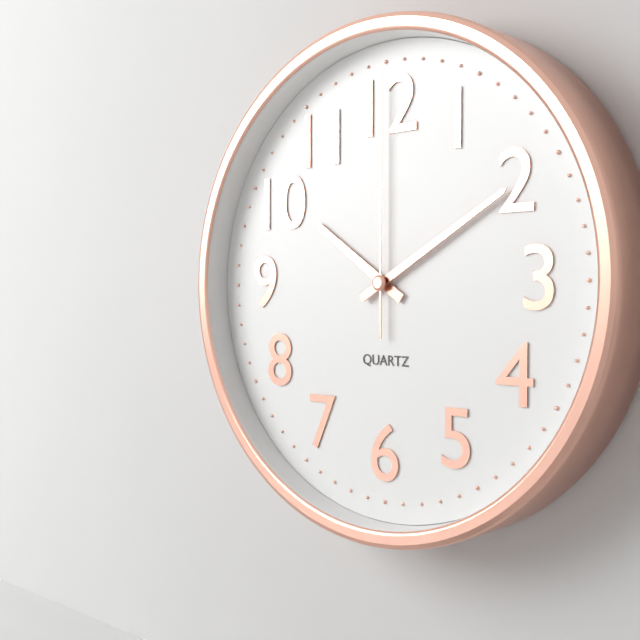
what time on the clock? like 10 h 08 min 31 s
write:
10 h 10 min 00 s
